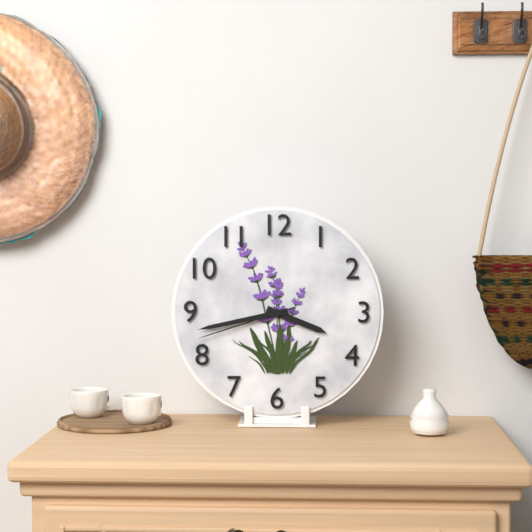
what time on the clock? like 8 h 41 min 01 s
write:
3 h 43 min 42 s
